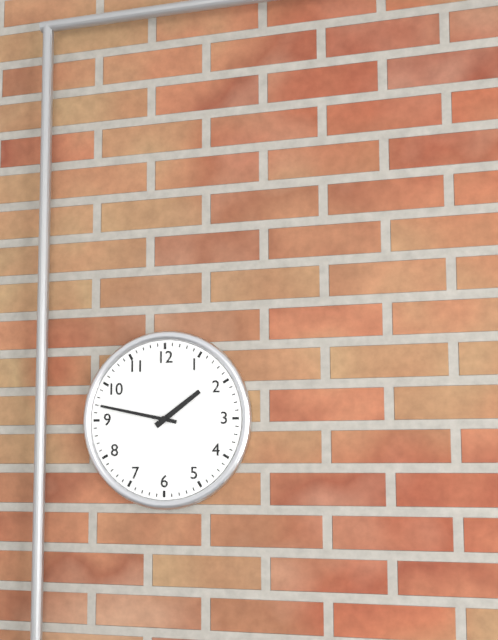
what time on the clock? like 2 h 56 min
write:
1 h 47 min
